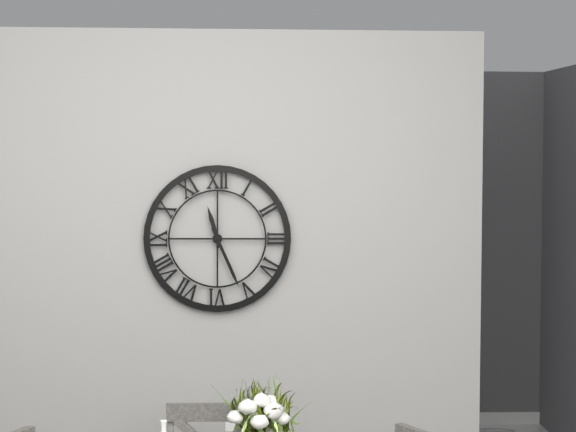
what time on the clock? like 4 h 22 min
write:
11 h 26 min
